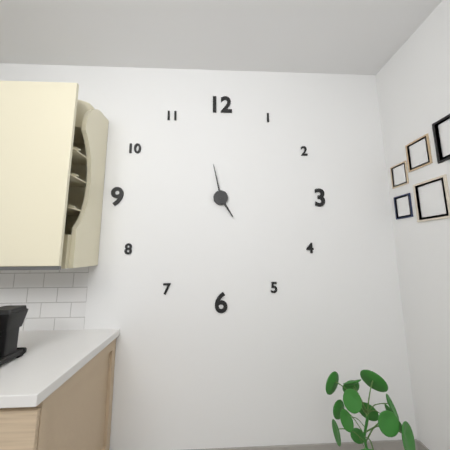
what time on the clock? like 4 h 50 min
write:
4 h 58 min
